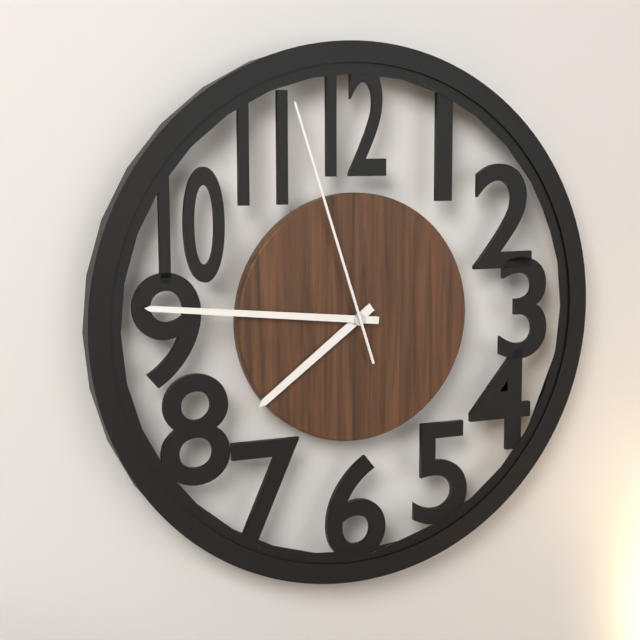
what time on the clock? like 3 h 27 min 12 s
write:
7 h 46 min 57 s
